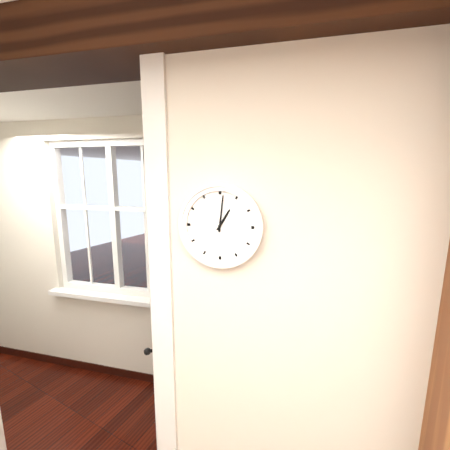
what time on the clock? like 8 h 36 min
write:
1 h 01 min
